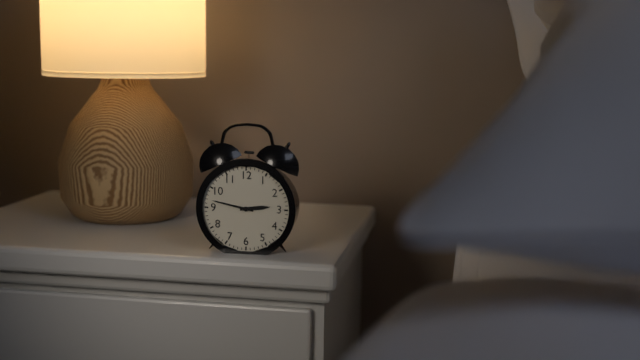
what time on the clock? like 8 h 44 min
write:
2 h 47 min
